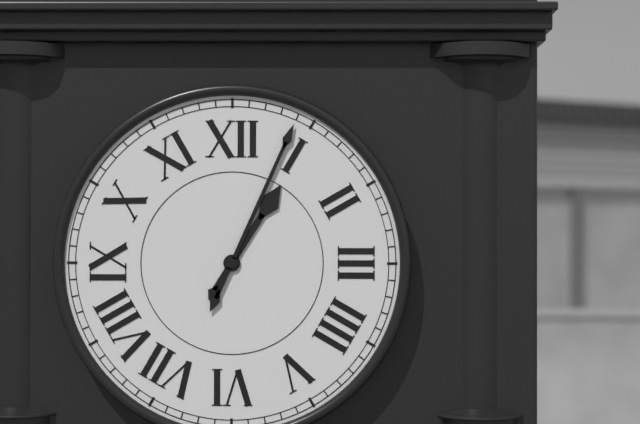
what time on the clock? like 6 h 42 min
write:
1 h 04 min
